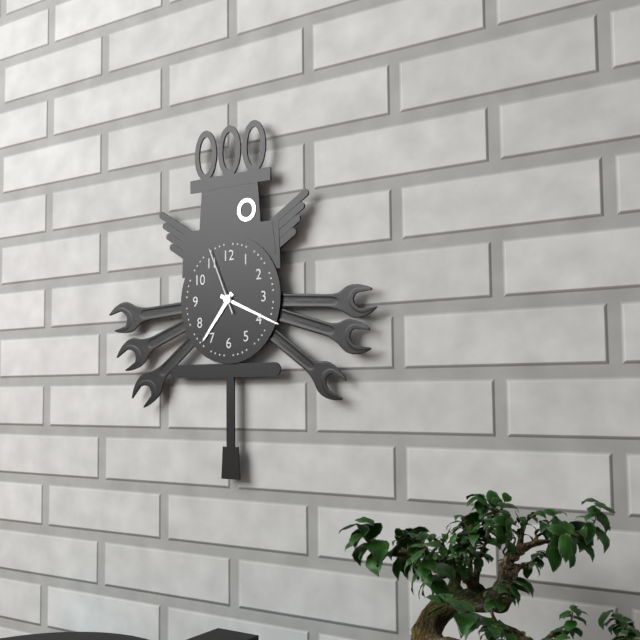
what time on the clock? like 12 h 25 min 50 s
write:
7 h 19 min 56 s
